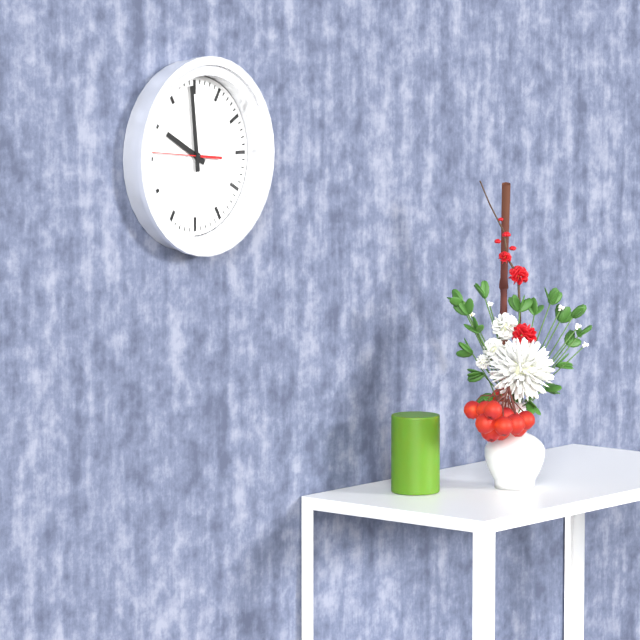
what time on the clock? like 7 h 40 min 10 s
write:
9 h 59 min 46 s
